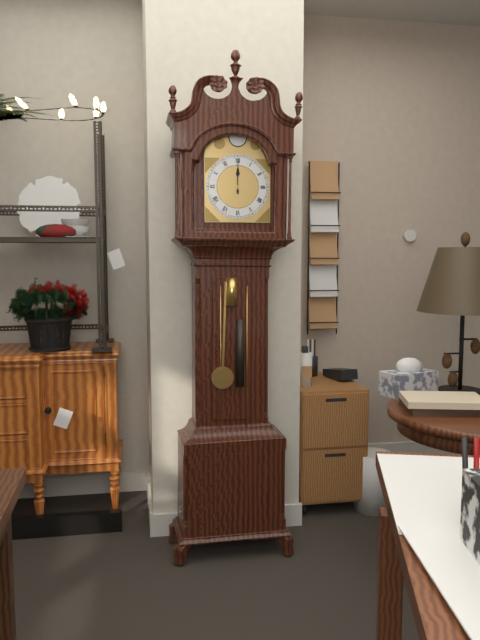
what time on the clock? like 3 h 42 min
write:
12 h 00 min
